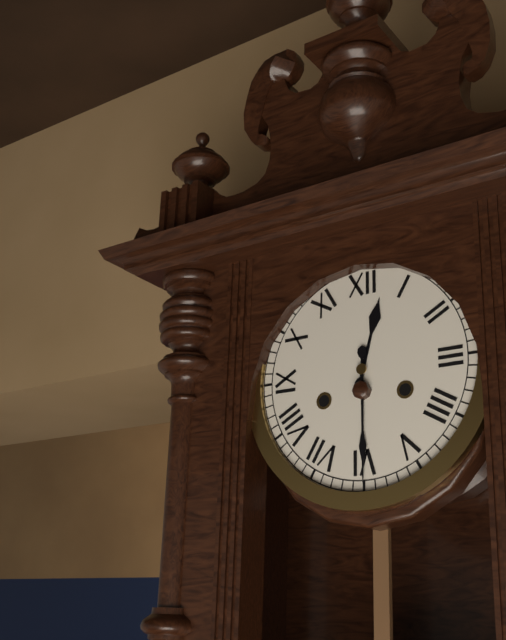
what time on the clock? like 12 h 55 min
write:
12 h 30 min
